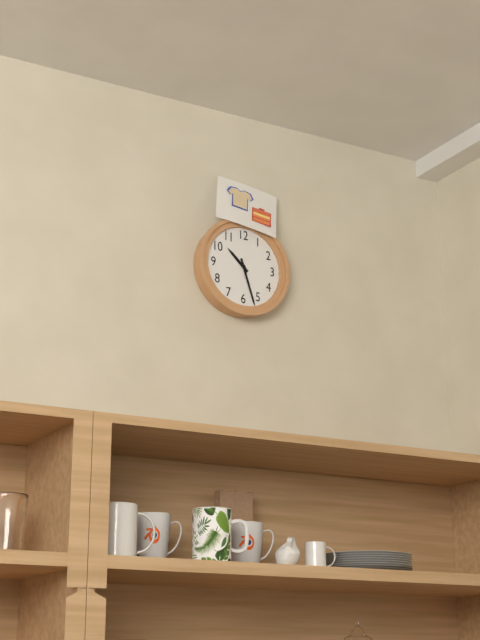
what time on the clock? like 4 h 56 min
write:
10 h 27 min
